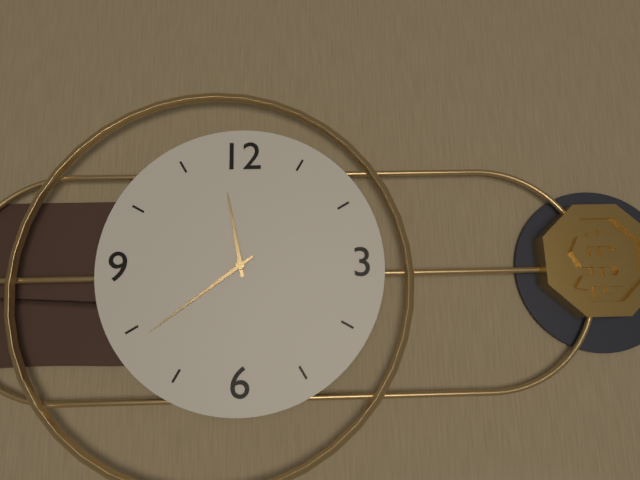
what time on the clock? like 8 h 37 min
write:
11 h 39 min
